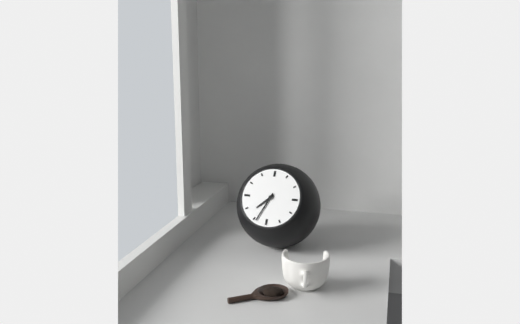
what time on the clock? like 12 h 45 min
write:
7 h 34 min
